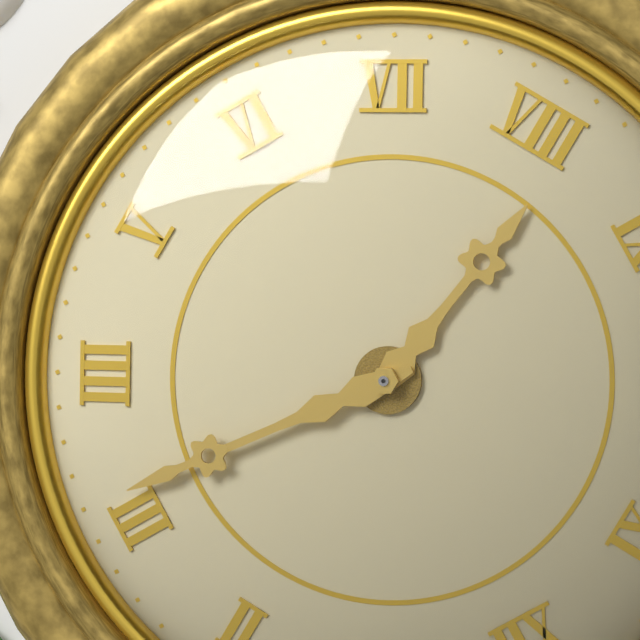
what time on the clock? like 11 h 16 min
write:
8 h 16 min
